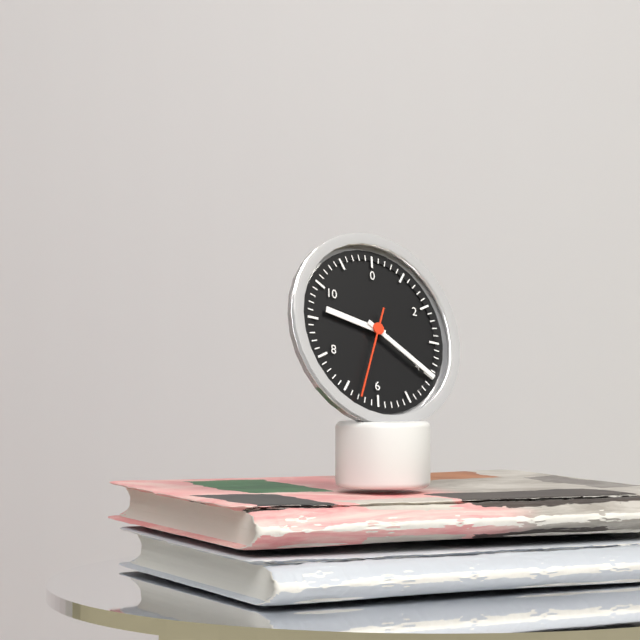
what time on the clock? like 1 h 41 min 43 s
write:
9 h 20 min 33 s
